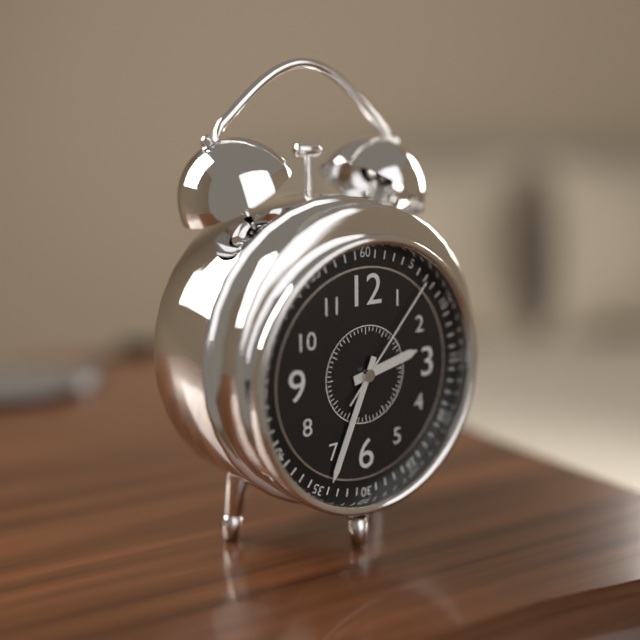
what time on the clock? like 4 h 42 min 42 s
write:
2 h 34 min 07 s
